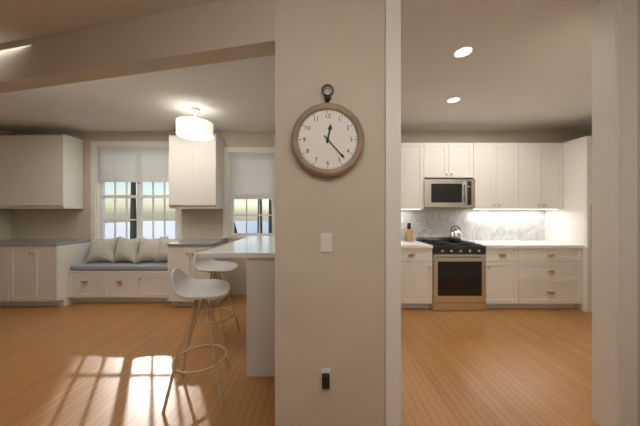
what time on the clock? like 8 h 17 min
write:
12 h 23 min
